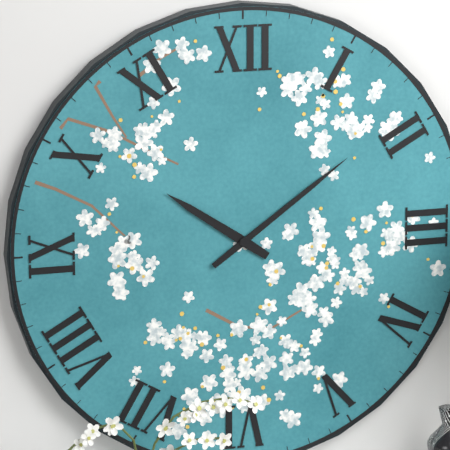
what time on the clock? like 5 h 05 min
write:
10 h 09 min
